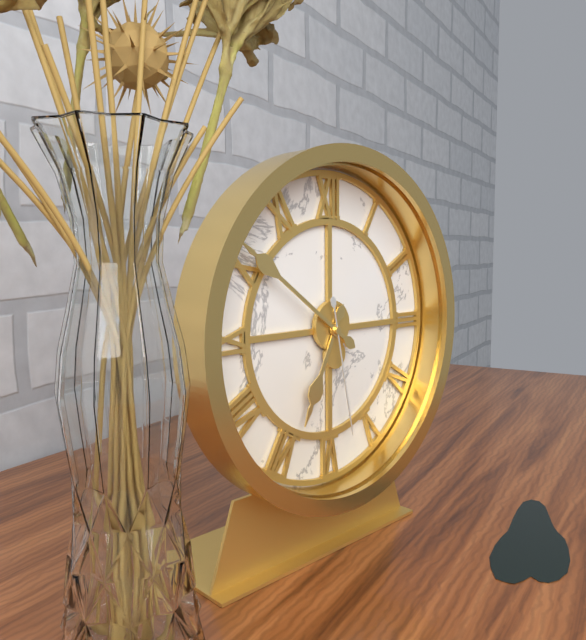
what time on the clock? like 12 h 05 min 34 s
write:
6 h 51 min 28 s
